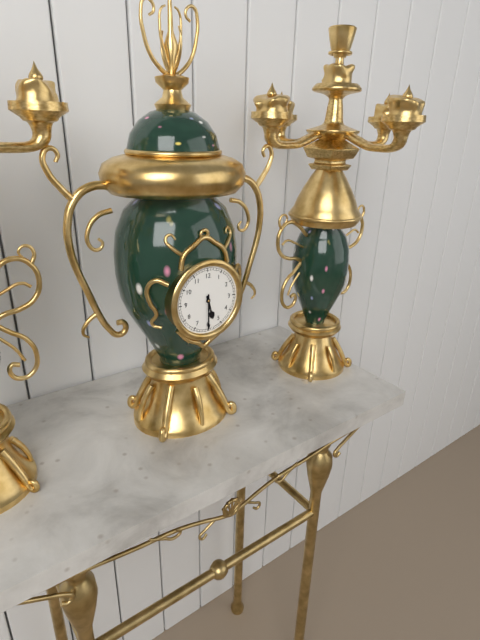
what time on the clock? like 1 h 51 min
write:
5 h 30 min
